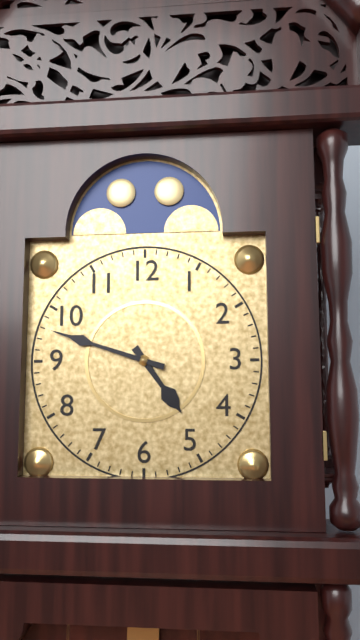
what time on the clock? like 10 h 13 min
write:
4 h 48 min
